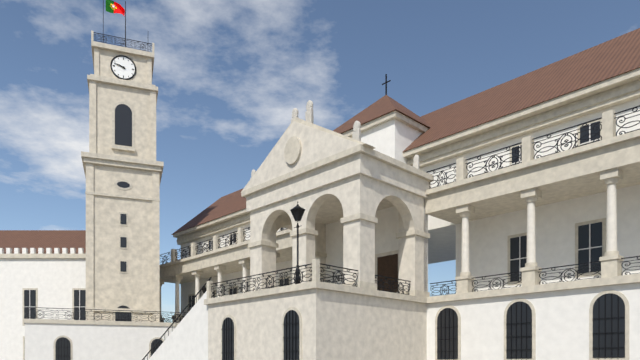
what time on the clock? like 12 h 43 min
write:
9 h 48 min
